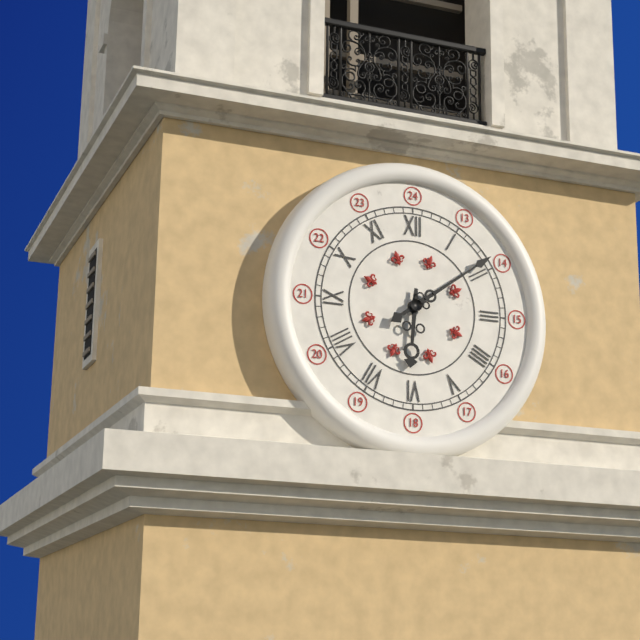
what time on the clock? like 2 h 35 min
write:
6 h 09 min
